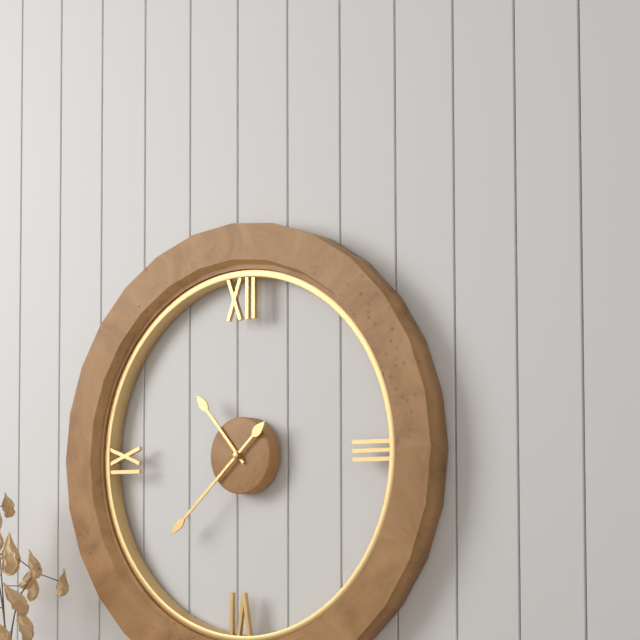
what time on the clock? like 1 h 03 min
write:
10 h 38 min
